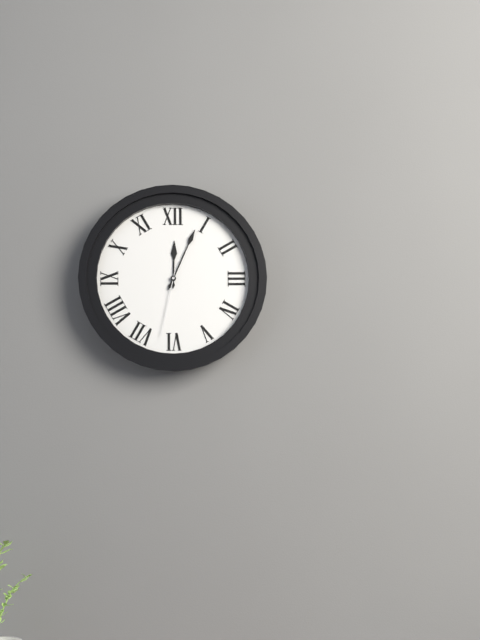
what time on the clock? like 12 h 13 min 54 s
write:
12 h 04 min 32 s
